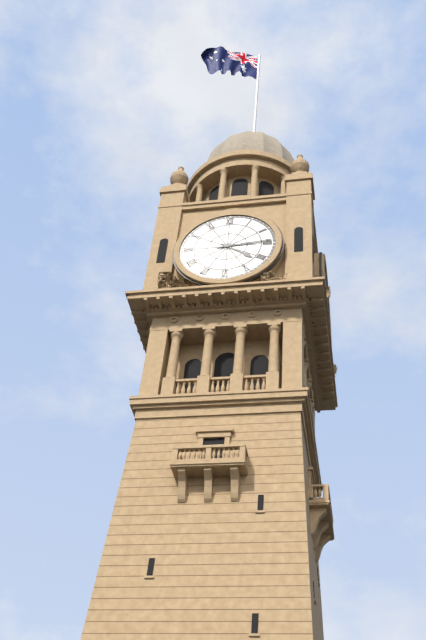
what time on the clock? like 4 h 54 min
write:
4 h 14 min
